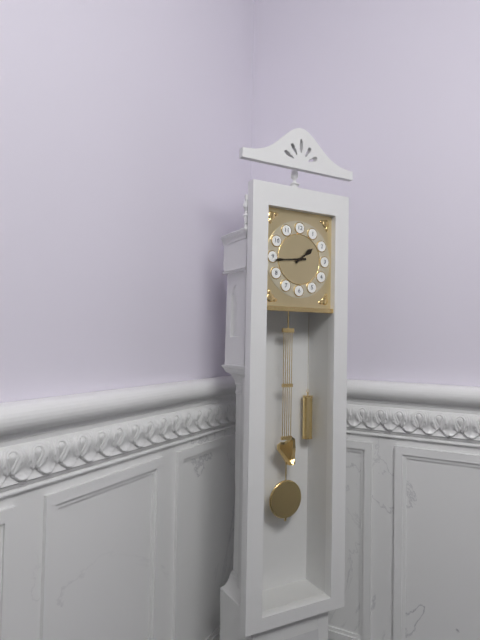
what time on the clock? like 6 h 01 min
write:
1 h 44 min
